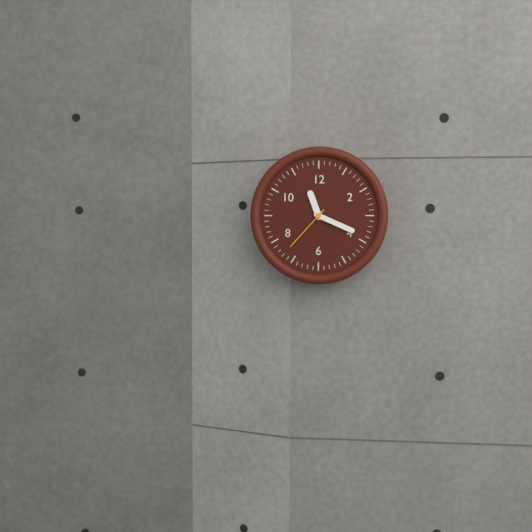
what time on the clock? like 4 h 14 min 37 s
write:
11 h 19 min 37 s
